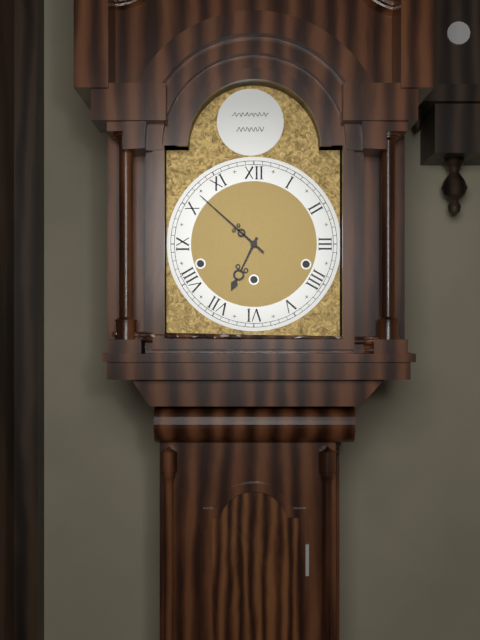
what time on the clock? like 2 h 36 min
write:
6 h 52 min
